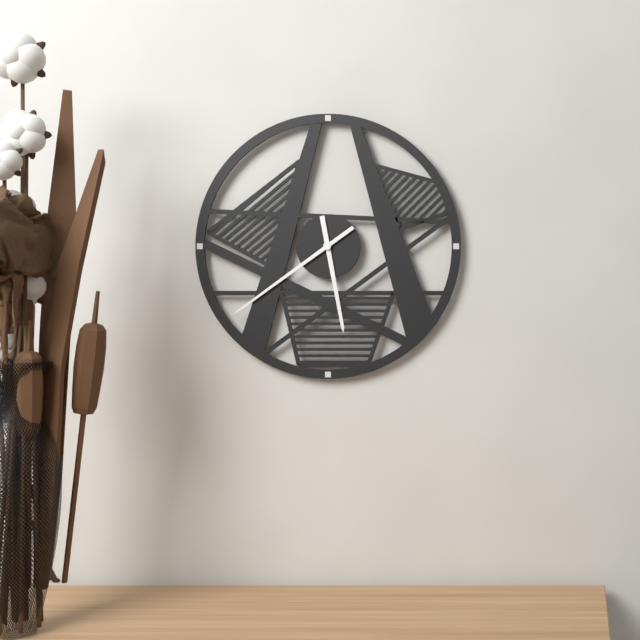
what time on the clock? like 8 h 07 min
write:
5 h 39 min
